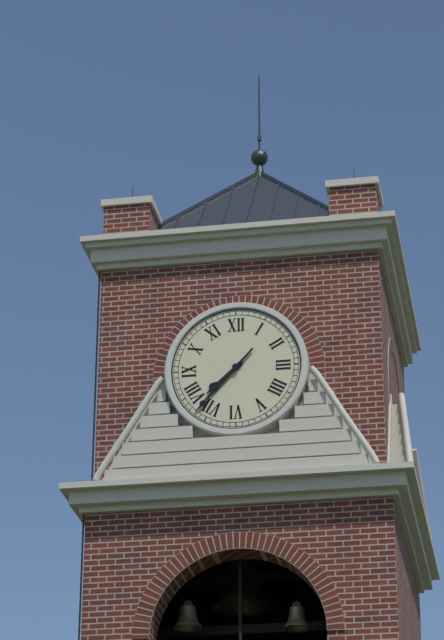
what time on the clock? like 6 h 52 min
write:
7 h 37 min
